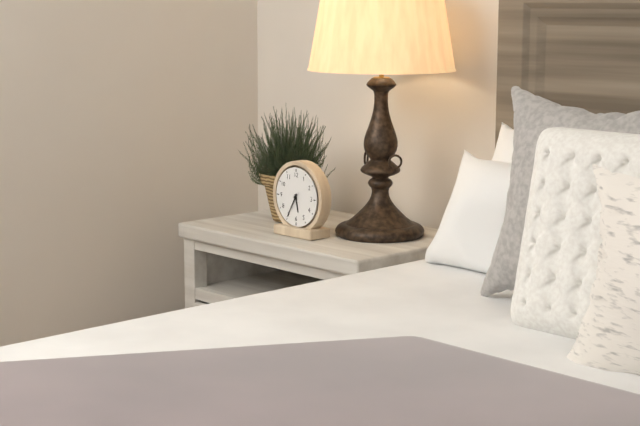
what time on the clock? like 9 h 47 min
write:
5 h 35 min
